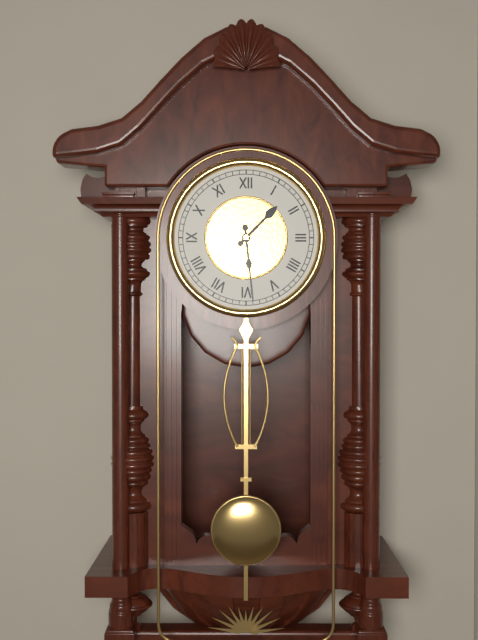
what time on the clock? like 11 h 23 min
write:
1 h 29 min
